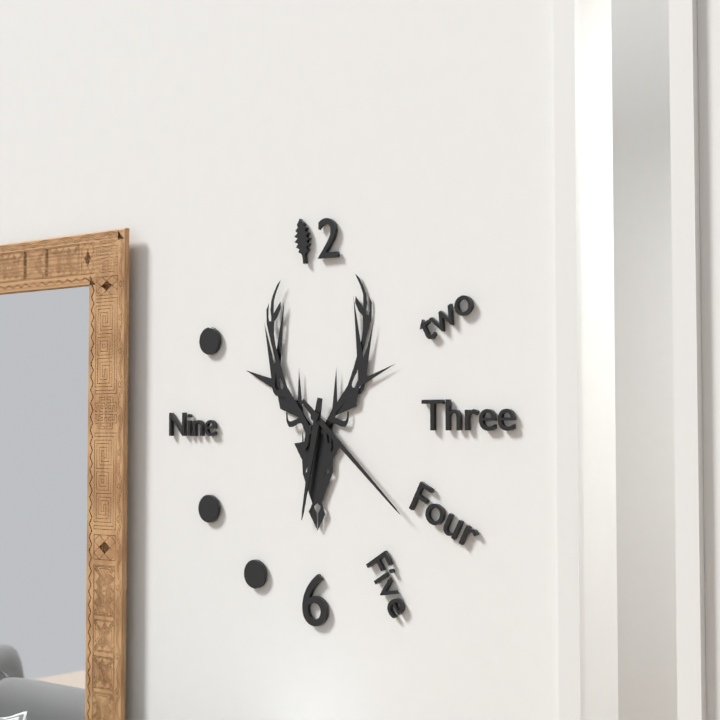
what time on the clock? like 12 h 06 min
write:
6 h 22 min
